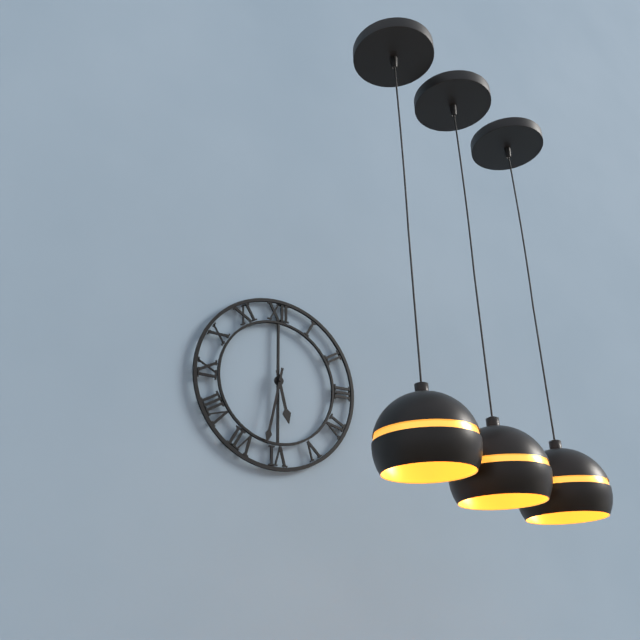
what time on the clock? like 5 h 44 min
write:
5 h 32 min
